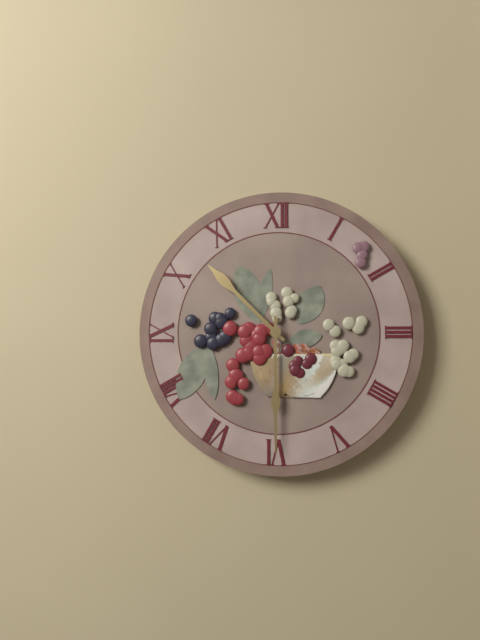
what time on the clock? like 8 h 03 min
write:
10 h 30 min
